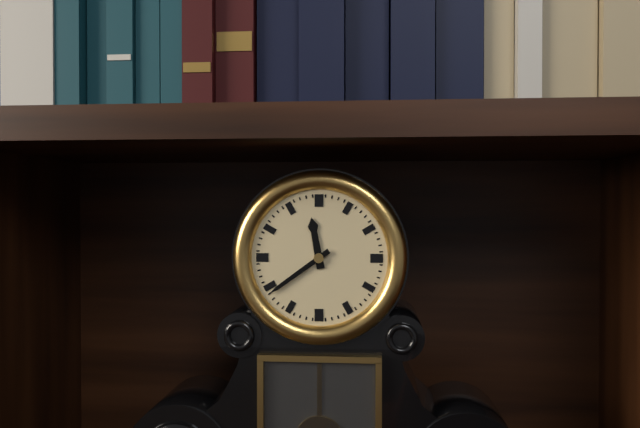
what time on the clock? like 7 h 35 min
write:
11 h 39 min
